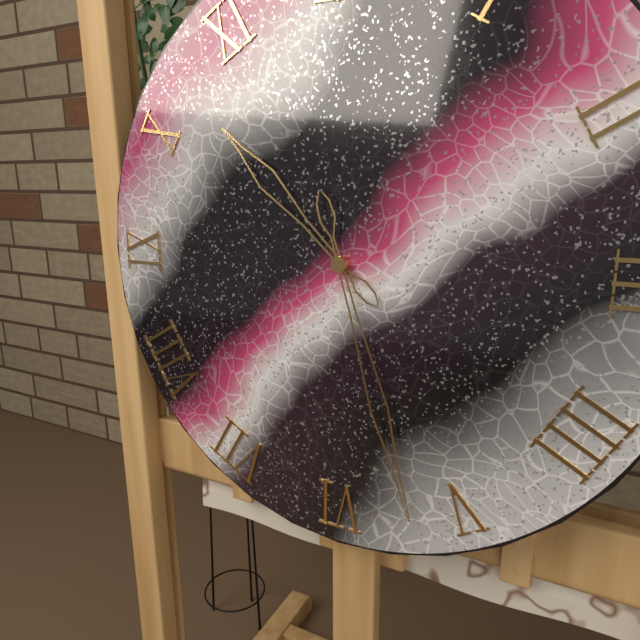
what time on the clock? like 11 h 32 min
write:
10 h 27 min
